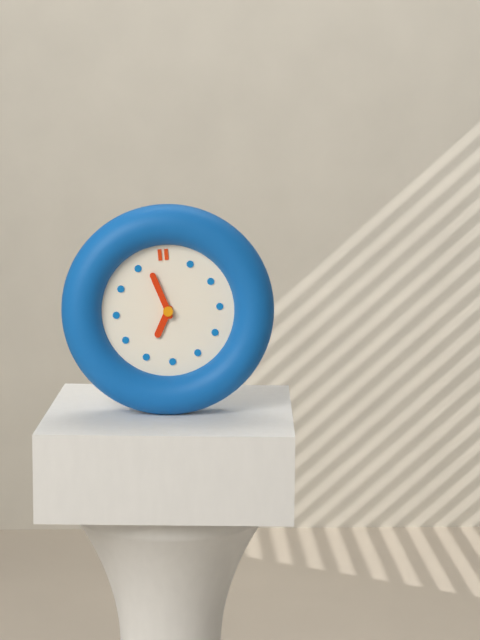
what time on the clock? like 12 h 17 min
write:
6 h 57 min
